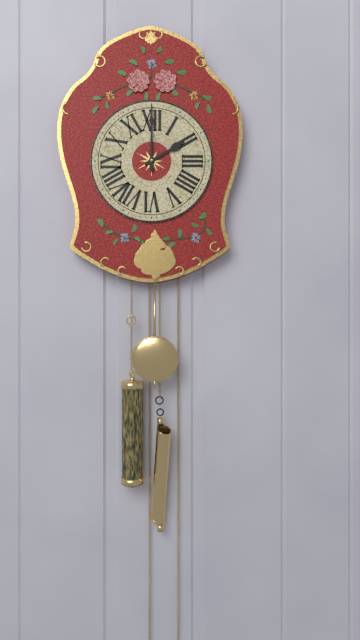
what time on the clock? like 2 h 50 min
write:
2 h 00 min
